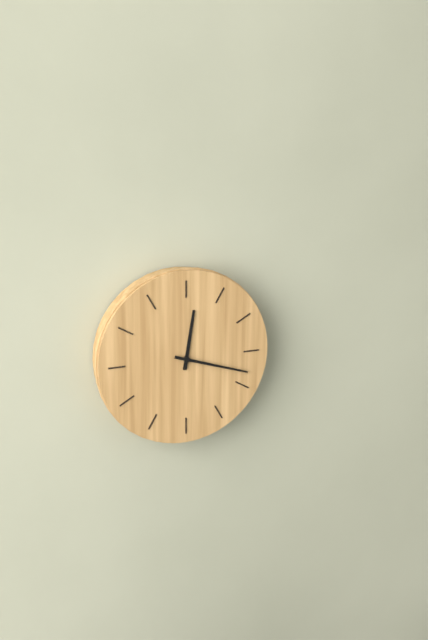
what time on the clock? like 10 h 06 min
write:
12 h 18 min
